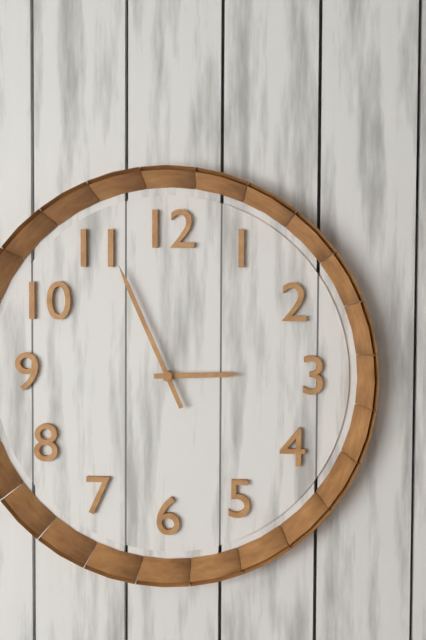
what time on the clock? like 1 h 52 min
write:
2 h 56 min
